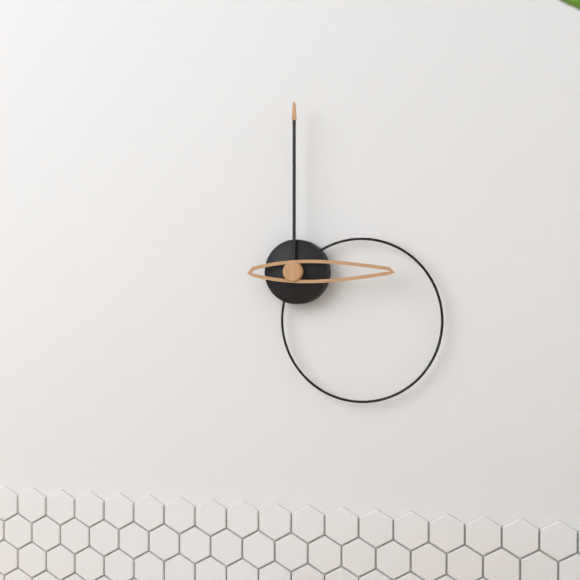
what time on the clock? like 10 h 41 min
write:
3 h 00 min
